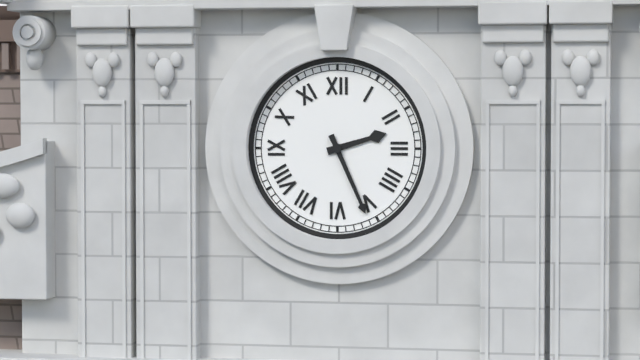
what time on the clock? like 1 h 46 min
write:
2 h 26 min
